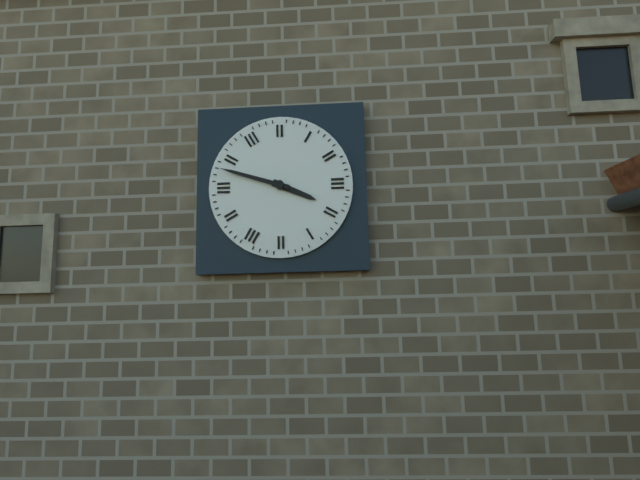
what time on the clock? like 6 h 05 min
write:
3 h 48 min
